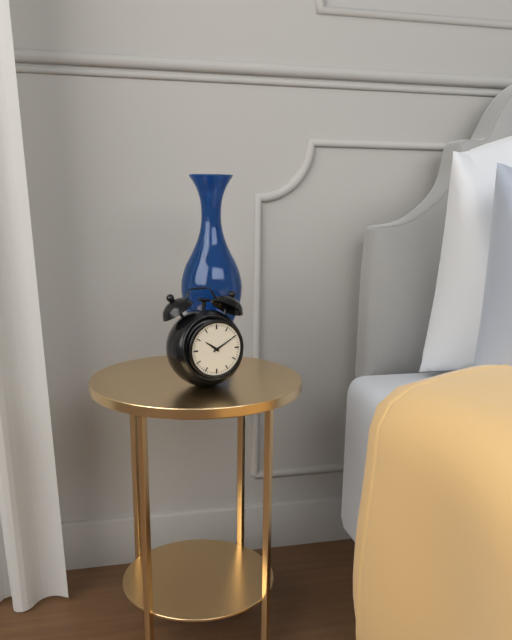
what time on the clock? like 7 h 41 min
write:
10 h 10 min
